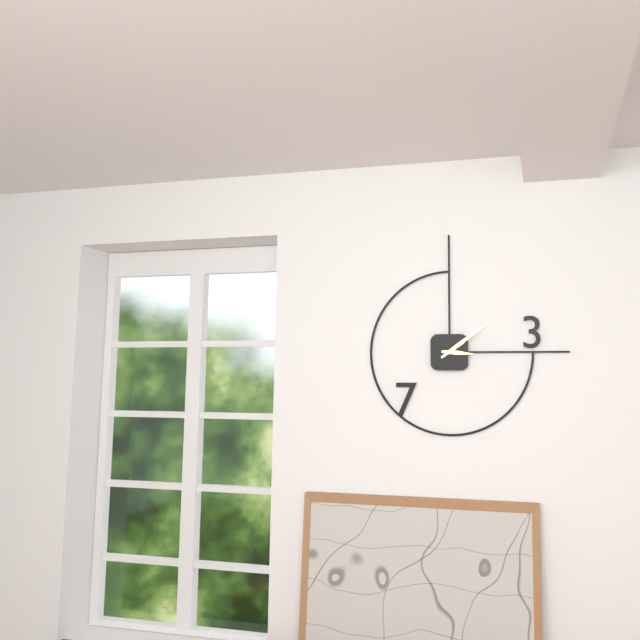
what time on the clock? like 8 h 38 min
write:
3 h 09 min
